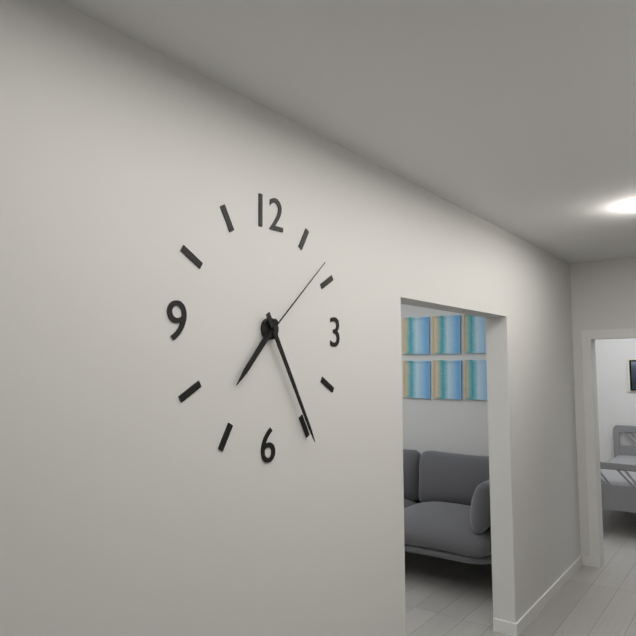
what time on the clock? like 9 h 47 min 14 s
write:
7 h 25 min 08 s
